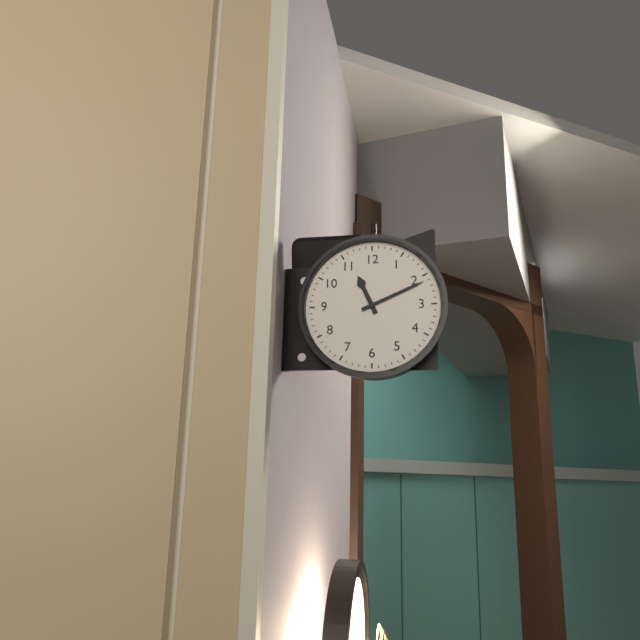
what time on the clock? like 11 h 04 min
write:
11 h 11 min
